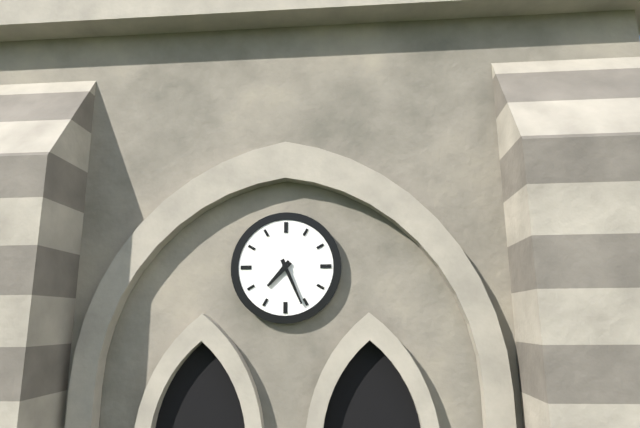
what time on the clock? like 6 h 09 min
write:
7 h 26 min
